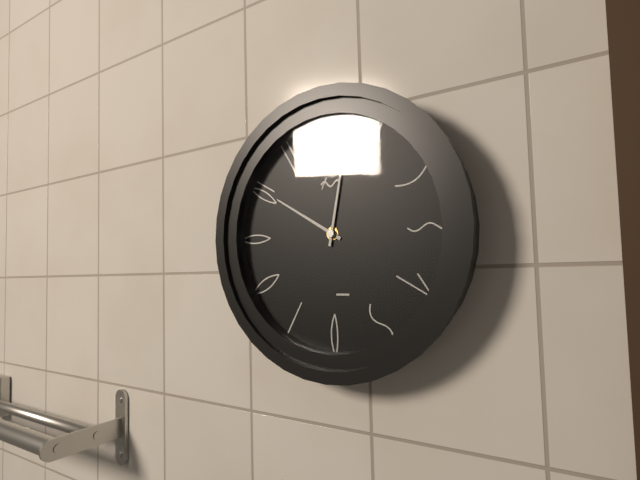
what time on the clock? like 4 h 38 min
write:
10 h 02 min
